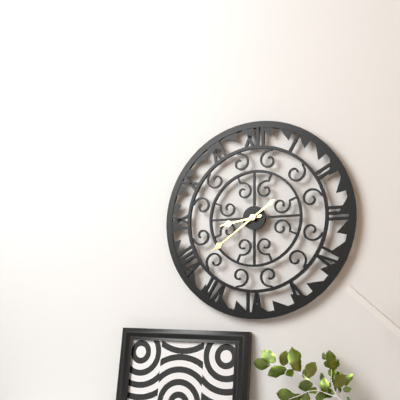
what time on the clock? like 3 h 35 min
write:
8 h 39 min
